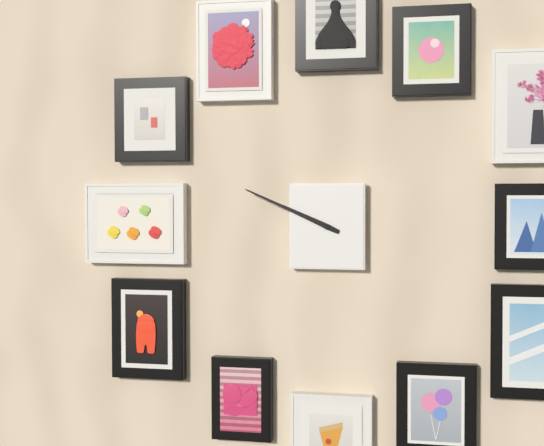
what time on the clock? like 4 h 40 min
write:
9 h 49 min
